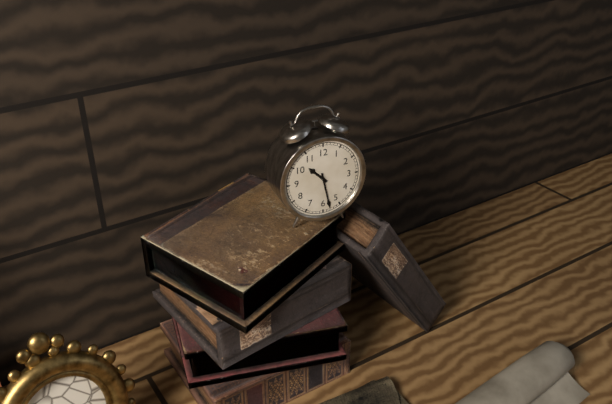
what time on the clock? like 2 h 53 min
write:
10 h 28 min
